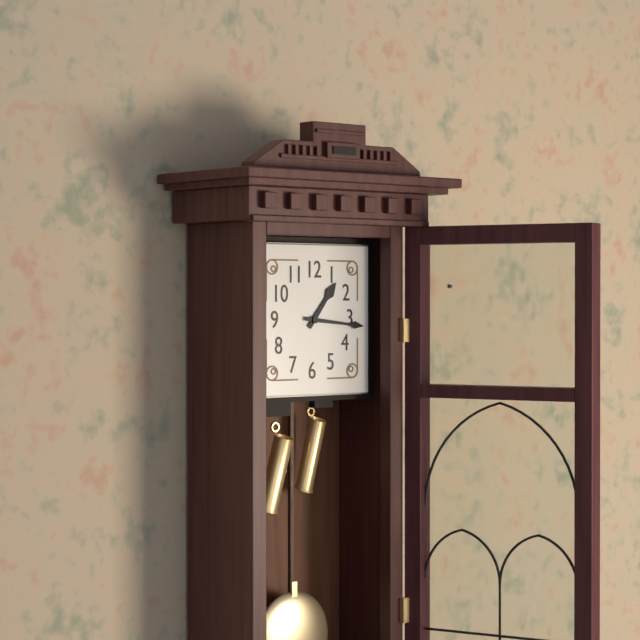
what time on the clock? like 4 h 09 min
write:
1 h 16 min
